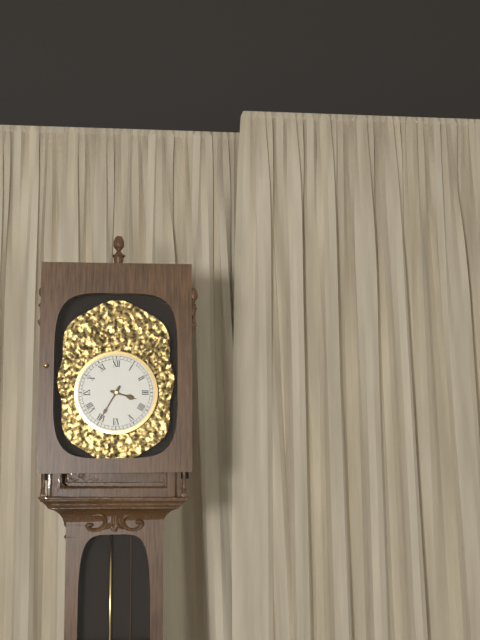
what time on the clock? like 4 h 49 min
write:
3 h 35 min
